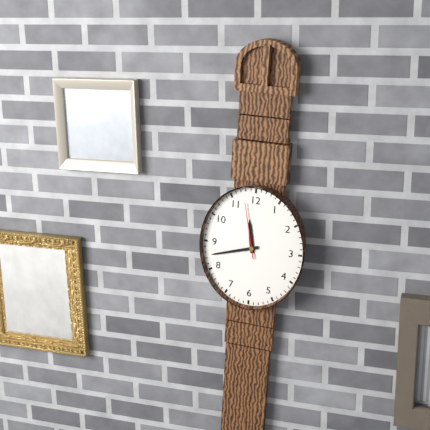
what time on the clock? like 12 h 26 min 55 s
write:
11 h 42 min 58 s
